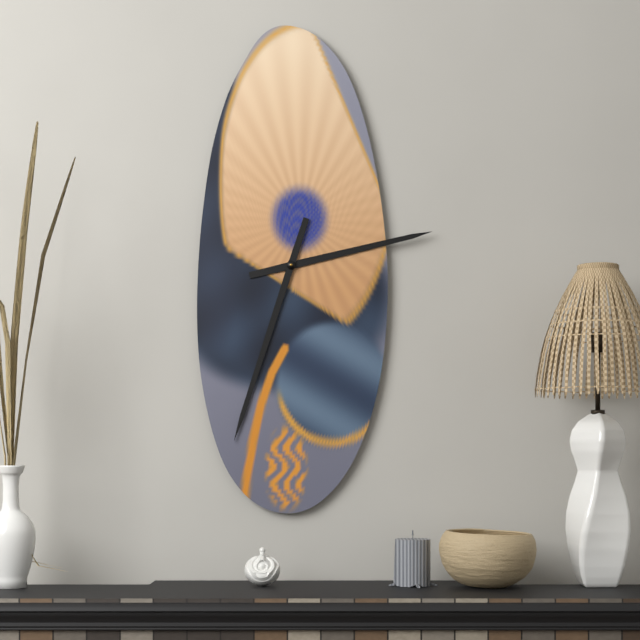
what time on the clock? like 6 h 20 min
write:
2 h 33 min
